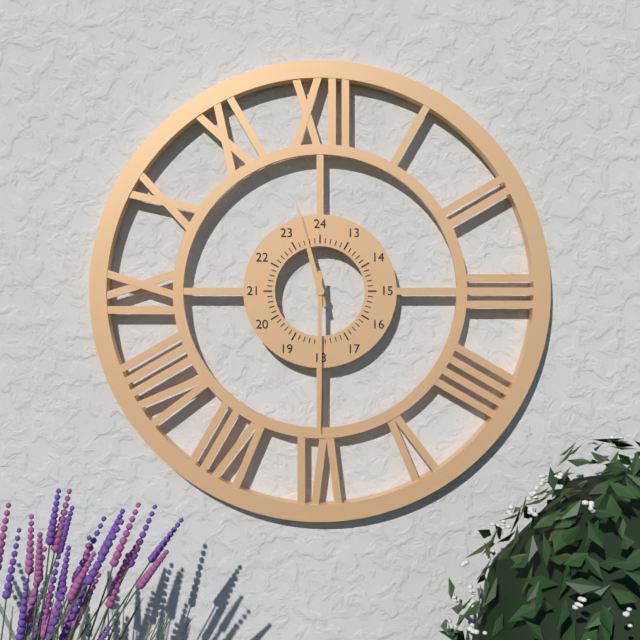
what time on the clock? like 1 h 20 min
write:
11 h 30 min
